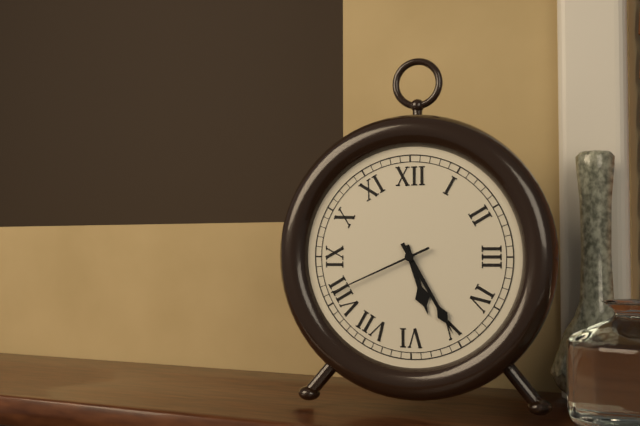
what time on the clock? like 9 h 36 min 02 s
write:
5 h 25 min 41 s
